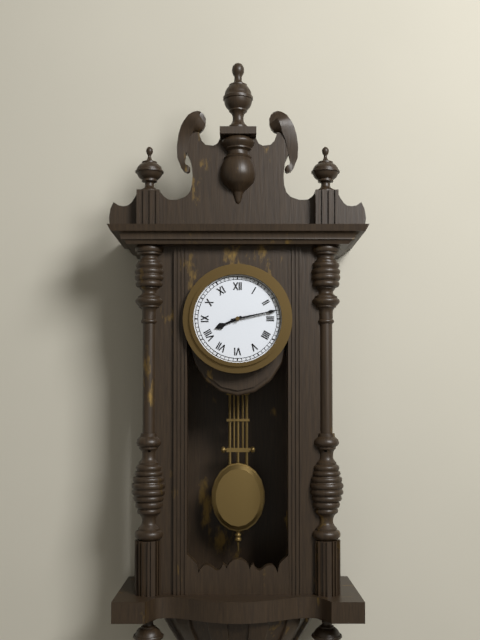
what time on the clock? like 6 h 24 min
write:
8 h 13 min
